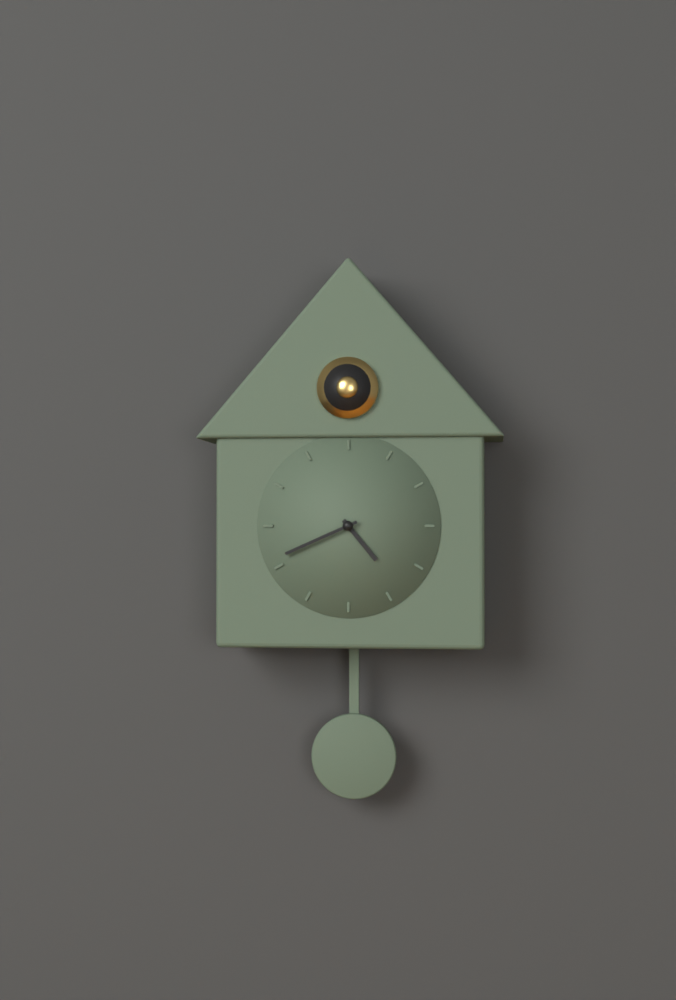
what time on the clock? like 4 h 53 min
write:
4 h 41 min
